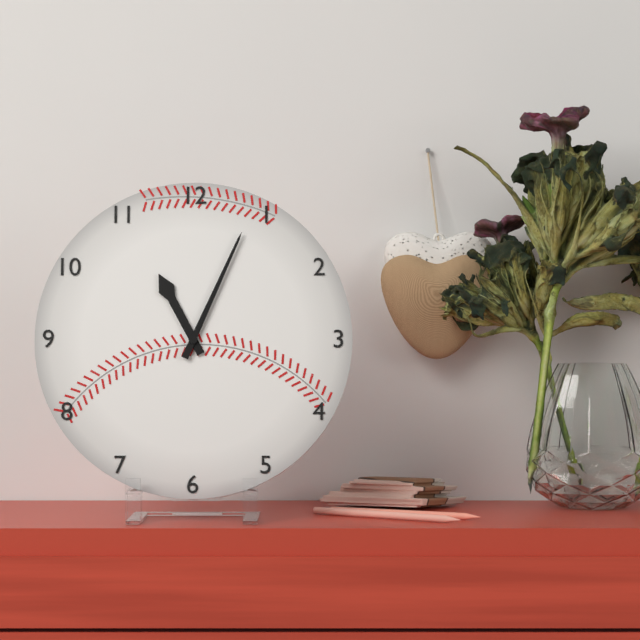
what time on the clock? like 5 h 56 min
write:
11 h 04 min
